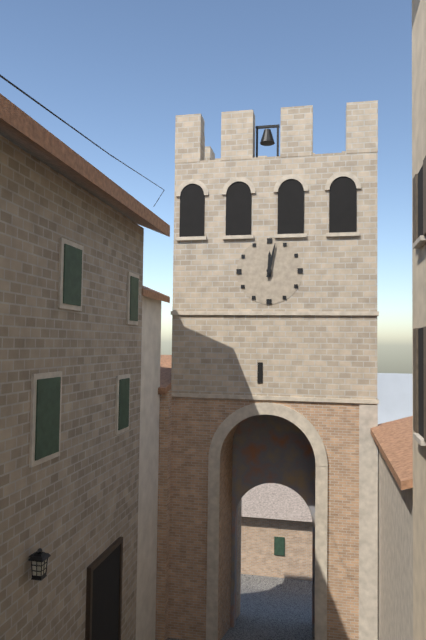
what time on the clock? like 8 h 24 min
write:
12 h 02 min
